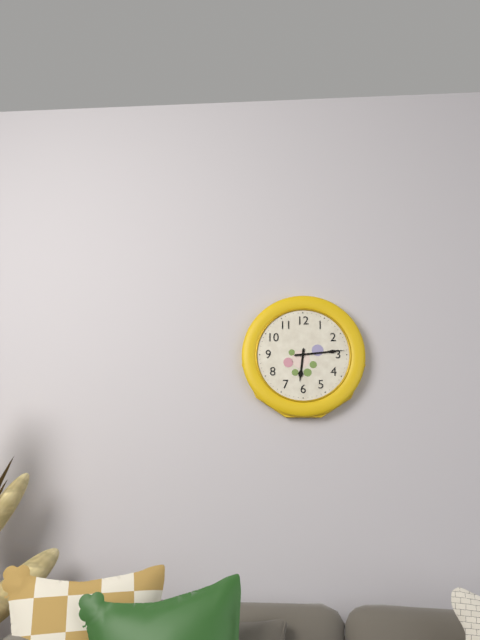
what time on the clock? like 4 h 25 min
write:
6 h 14 min
